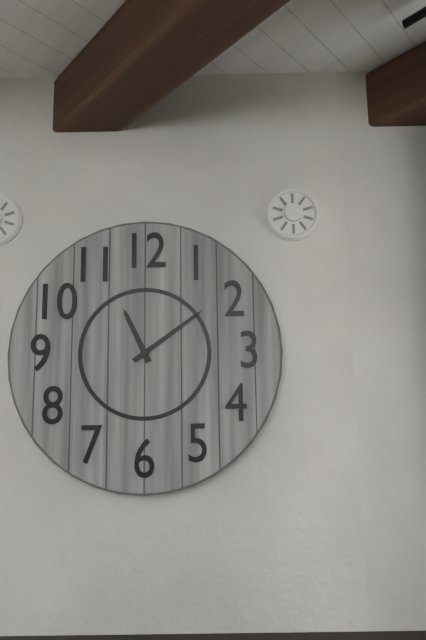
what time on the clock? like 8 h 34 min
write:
11 h 09 min
